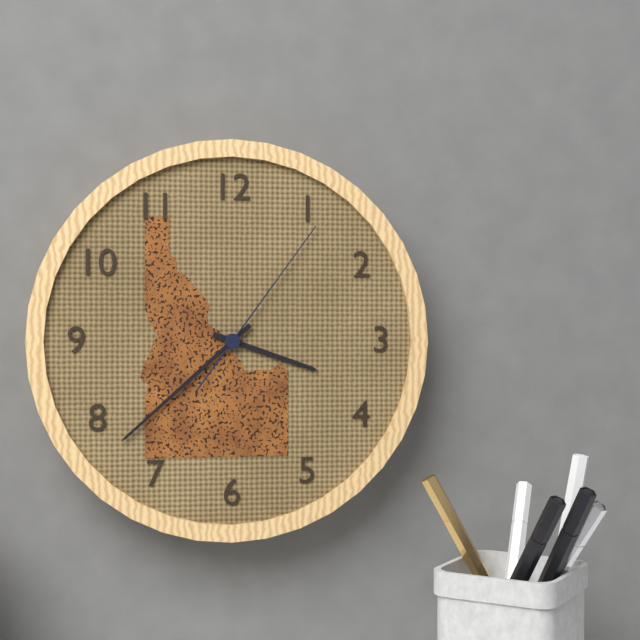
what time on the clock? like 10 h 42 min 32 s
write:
3 h 38 min 06 s
